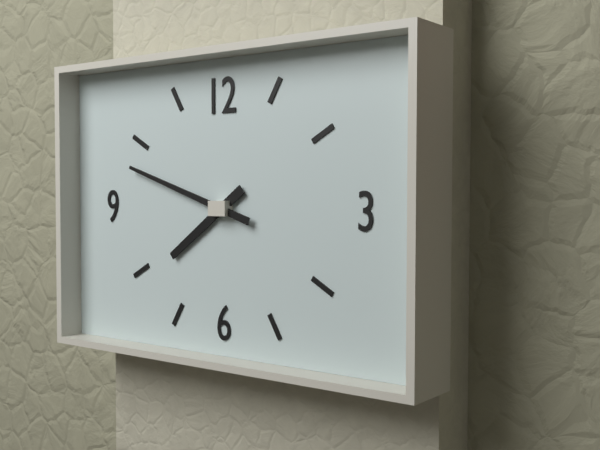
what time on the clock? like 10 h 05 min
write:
7 h 48 min
